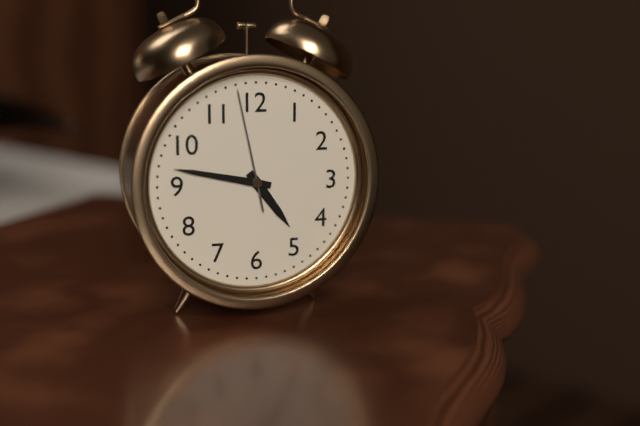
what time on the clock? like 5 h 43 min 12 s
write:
4 h 47 min 58 s
